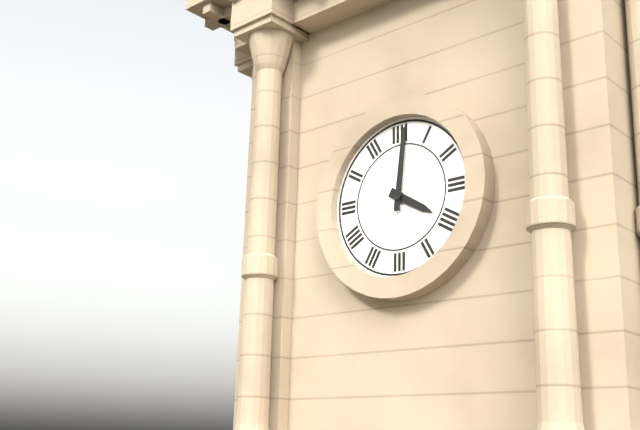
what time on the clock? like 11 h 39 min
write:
4 h 01 min
